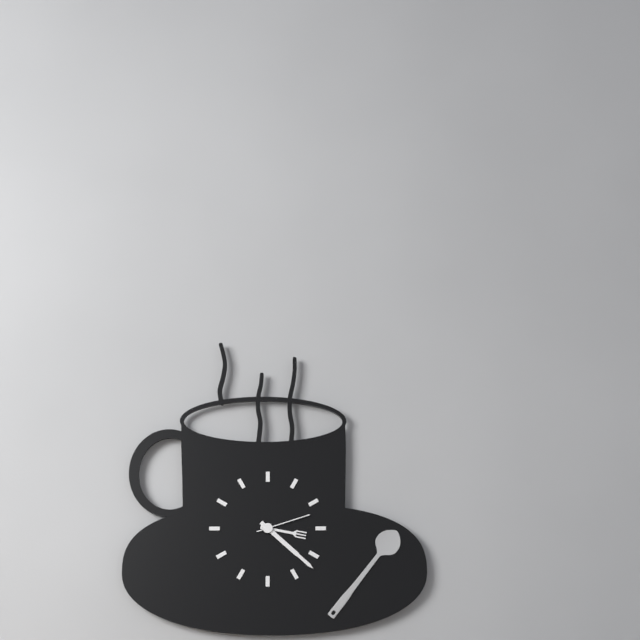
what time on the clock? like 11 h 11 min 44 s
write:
3 h 22 min 12 s
